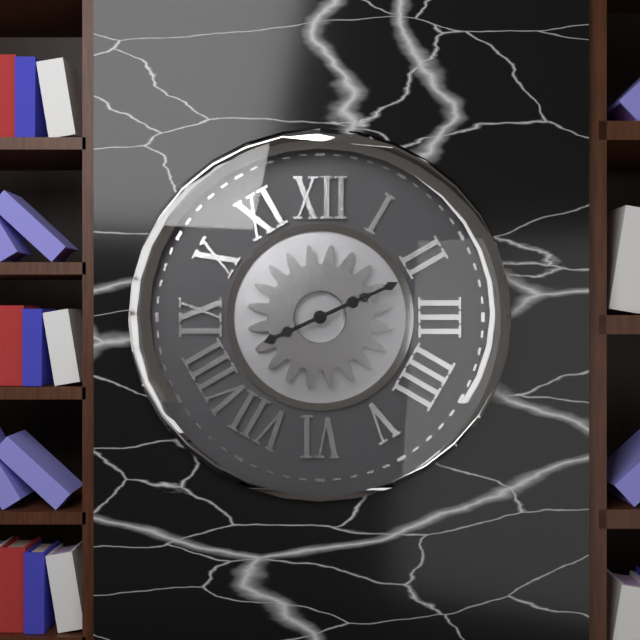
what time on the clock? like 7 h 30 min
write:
8 h 11 min
